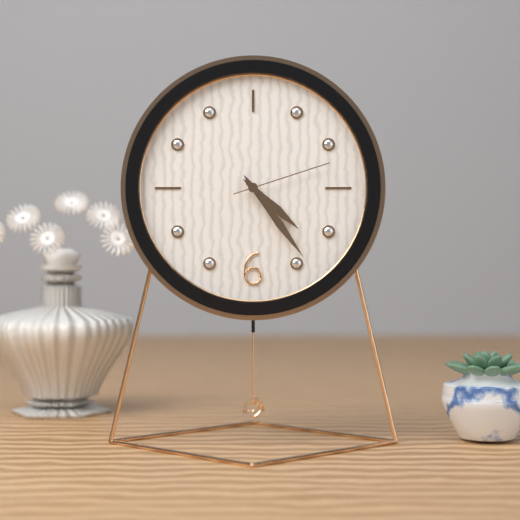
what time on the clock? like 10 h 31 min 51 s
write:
4 h 24 min 12 s
